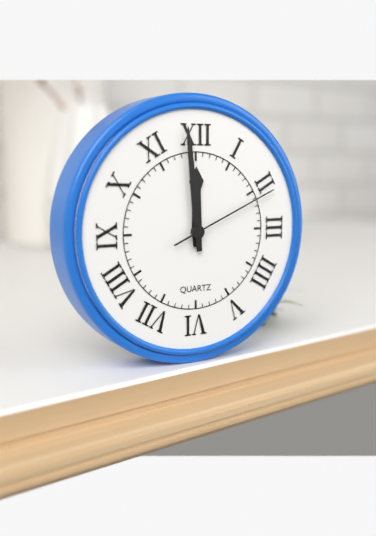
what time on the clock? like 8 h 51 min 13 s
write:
11 h 59 min 11 s
